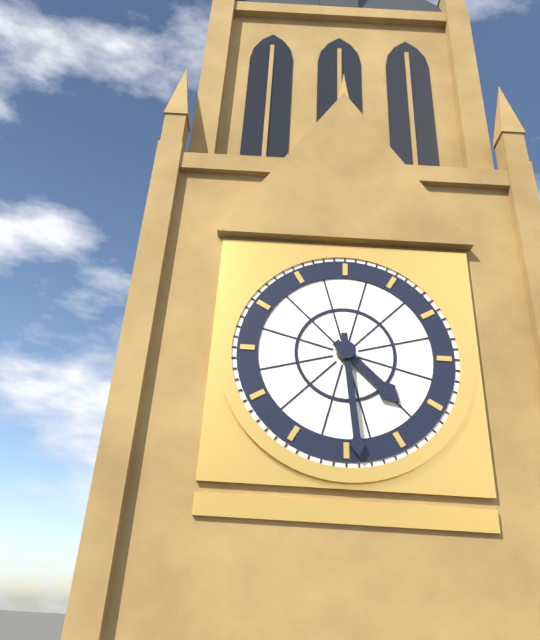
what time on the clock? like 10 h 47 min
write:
4 h 29 min
